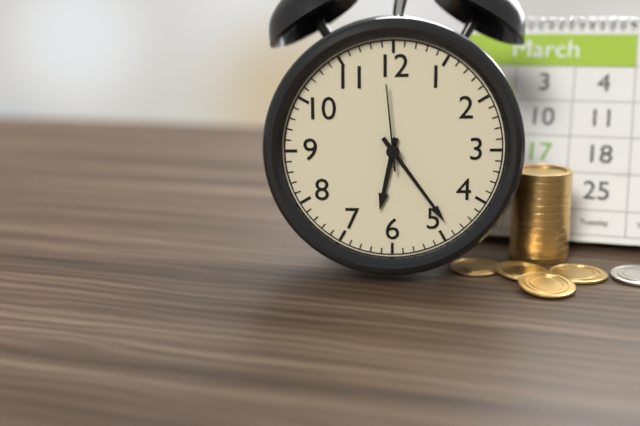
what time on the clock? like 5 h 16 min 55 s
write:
6 h 24 min 59 s
